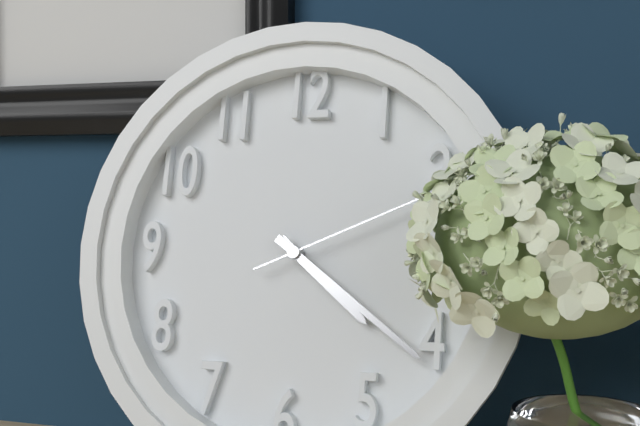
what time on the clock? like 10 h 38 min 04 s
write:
4 h 21 min 11 s
